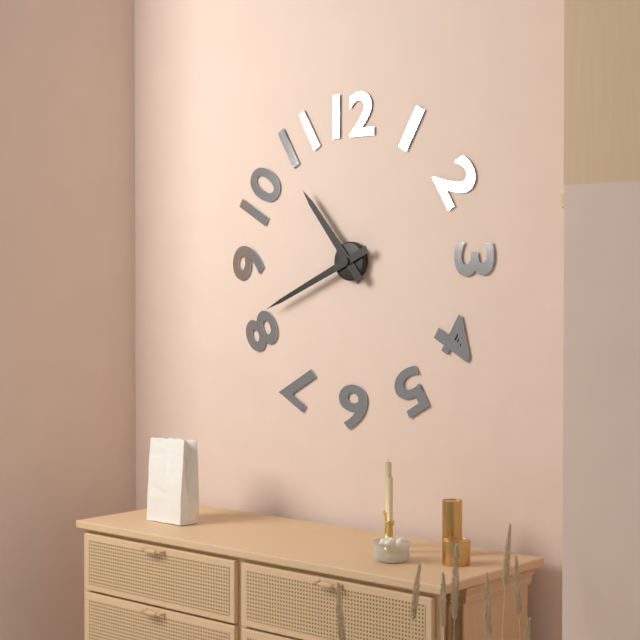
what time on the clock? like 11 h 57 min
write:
10 h 41 min
